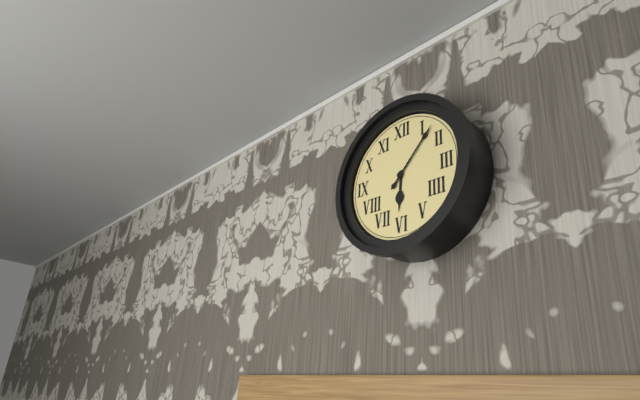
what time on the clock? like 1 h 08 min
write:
6 h 07 min
